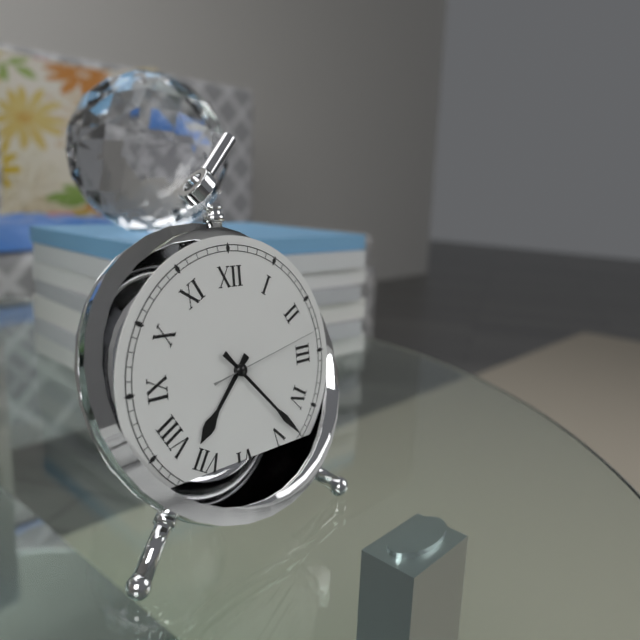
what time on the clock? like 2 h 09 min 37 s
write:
7 h 23 min 13 s
